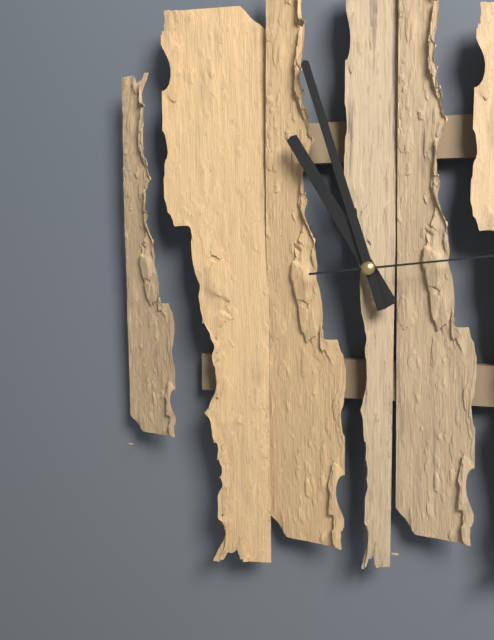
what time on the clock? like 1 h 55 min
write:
10 h 57 min
